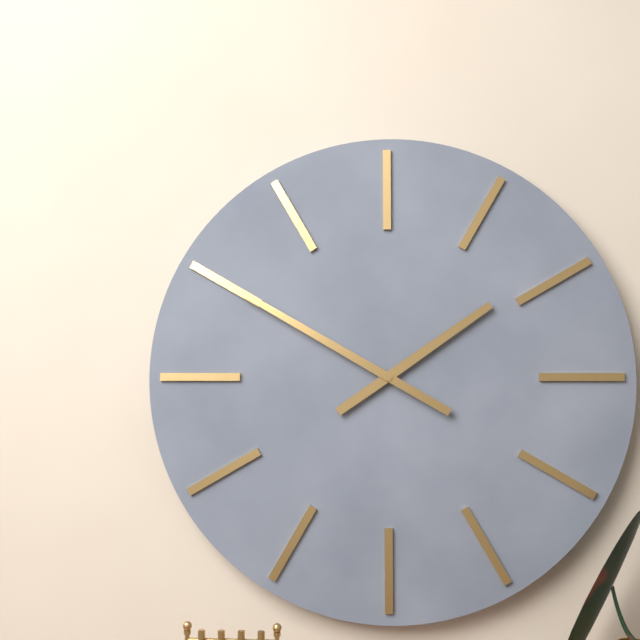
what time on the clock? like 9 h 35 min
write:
1 h 50 min
